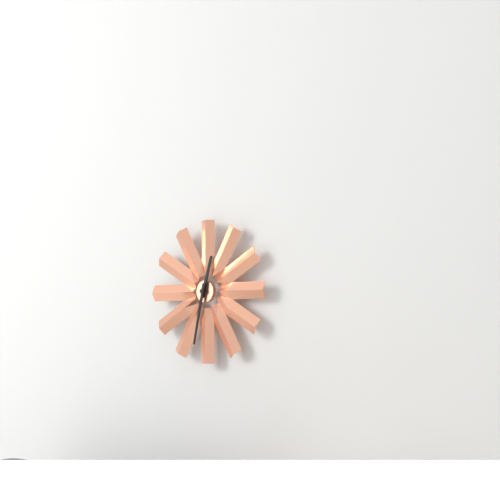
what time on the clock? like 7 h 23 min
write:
12 h 32 min
